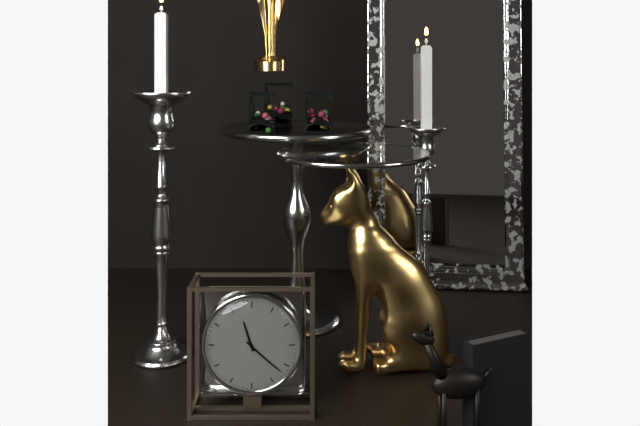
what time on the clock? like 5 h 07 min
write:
11 h 22 min
